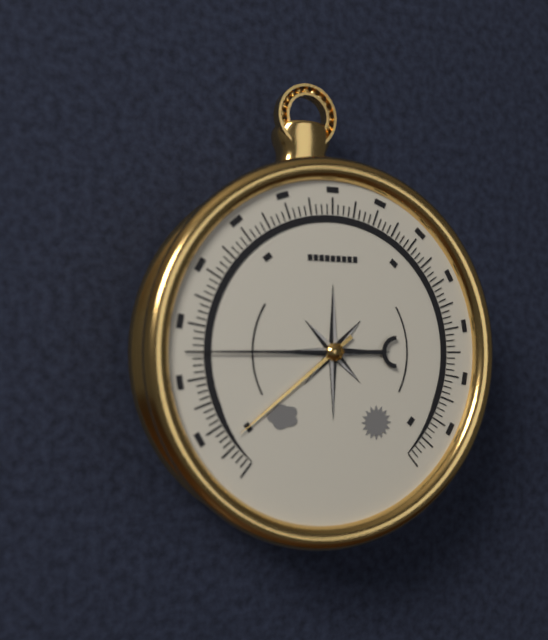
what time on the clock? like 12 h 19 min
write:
7 h 45 min
